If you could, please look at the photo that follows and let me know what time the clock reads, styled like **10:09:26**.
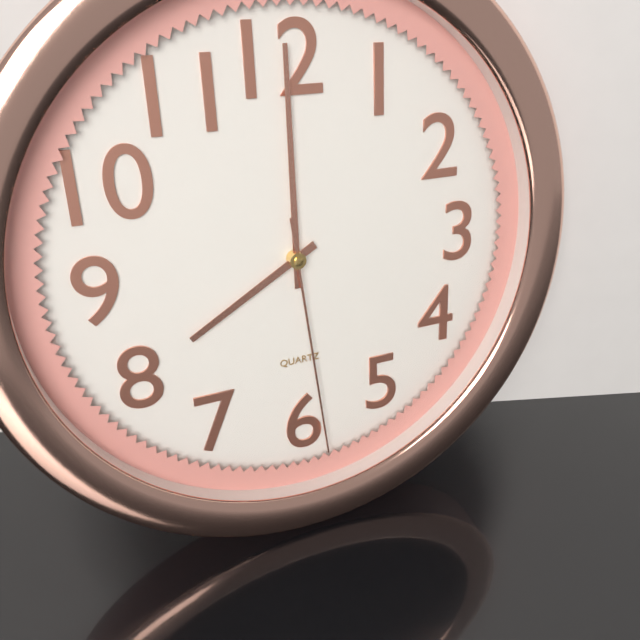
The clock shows **8:00:29**
